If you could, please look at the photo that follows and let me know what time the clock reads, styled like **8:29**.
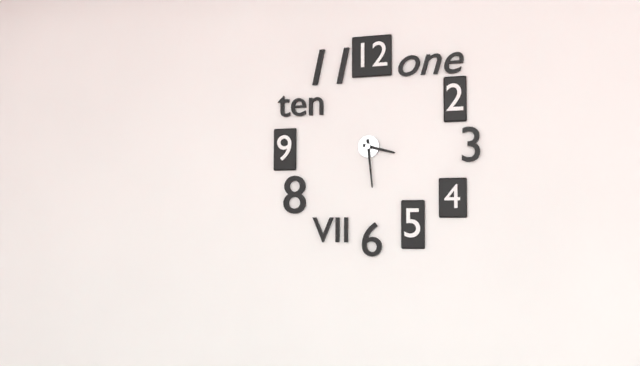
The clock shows **3:29**
